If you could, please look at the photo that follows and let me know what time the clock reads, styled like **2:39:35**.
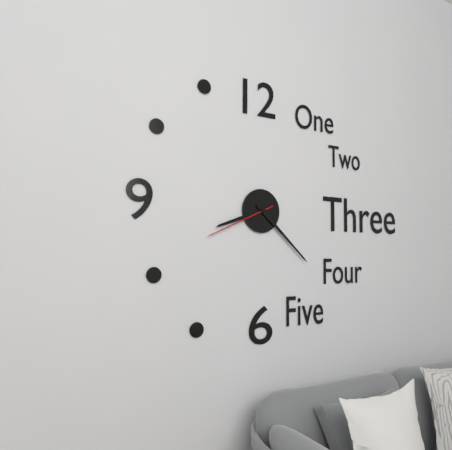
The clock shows **8:22:41**
